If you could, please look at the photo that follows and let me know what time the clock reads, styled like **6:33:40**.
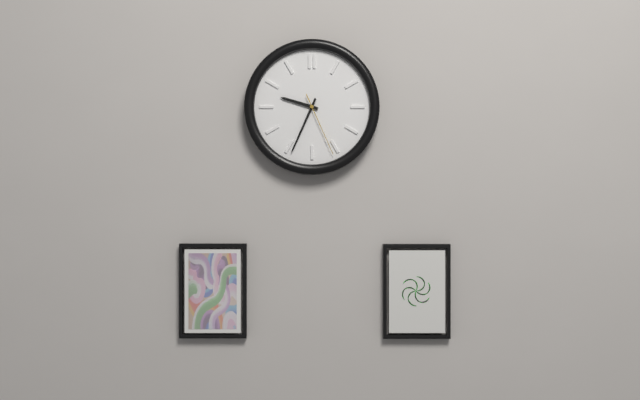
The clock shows **9:34:26**
